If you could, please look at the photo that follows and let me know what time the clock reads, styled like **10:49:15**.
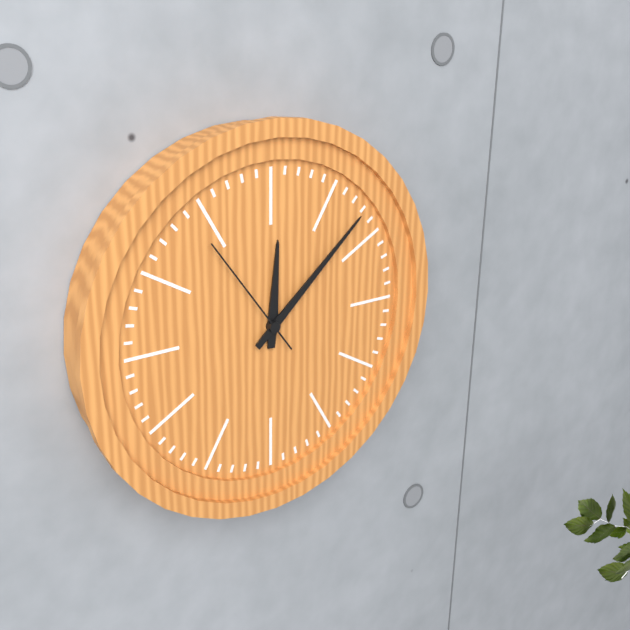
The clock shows **12:08:54**
